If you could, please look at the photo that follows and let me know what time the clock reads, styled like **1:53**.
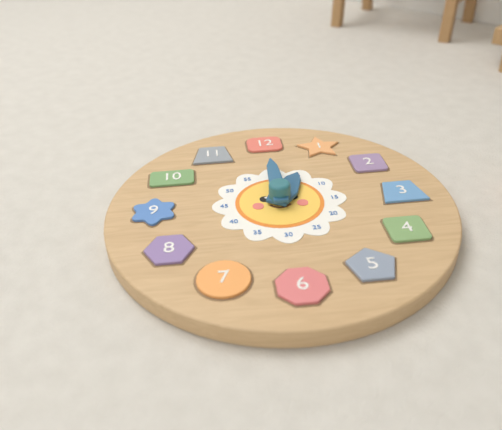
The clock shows **1:00**
